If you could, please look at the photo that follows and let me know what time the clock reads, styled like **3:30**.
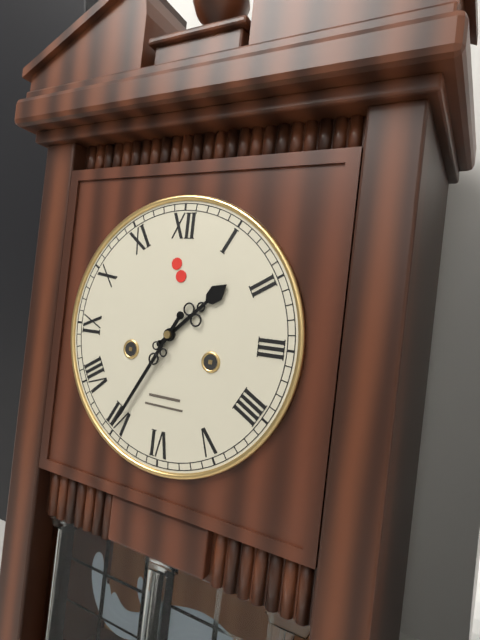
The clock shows **1:35**
